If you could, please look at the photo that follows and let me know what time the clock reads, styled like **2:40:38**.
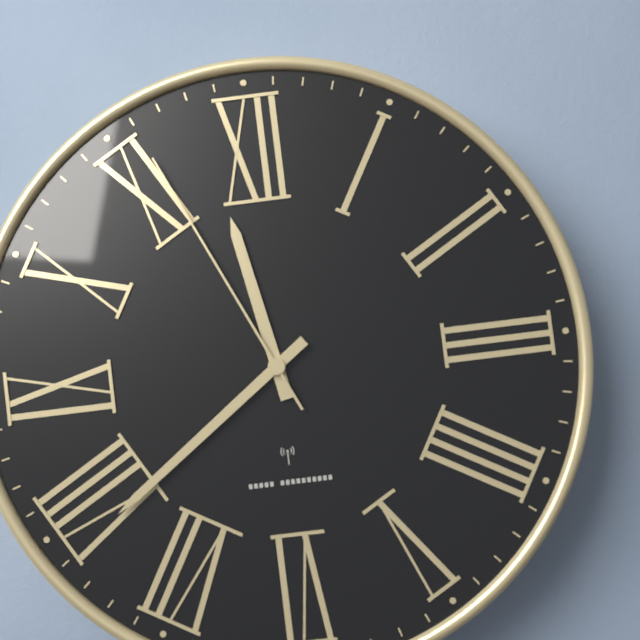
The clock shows **11:39:56**
